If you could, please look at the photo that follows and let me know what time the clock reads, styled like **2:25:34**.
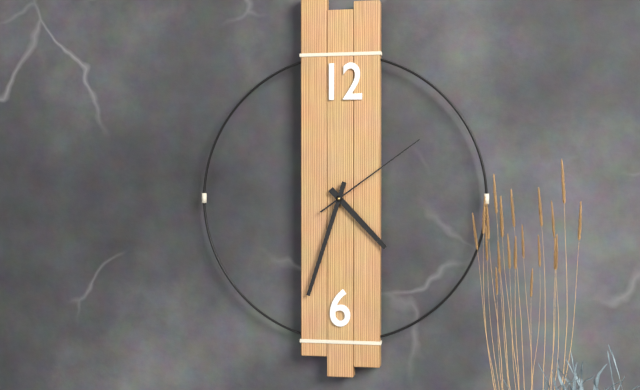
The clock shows **4:33:09**
